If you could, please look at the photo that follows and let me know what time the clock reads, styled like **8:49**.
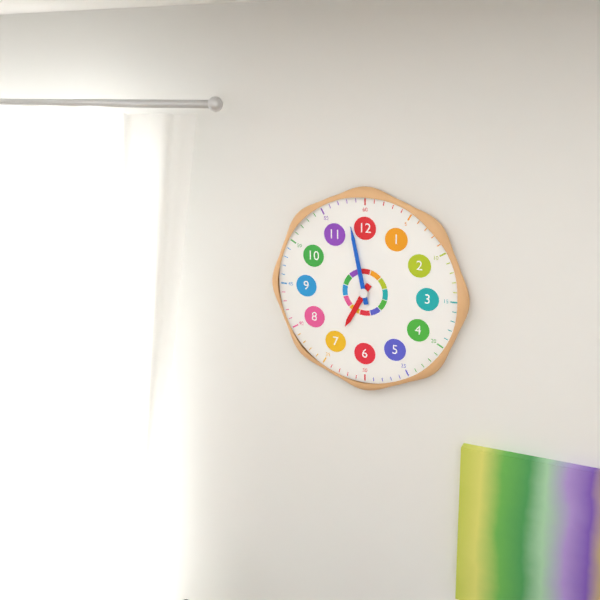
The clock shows **6:58**
